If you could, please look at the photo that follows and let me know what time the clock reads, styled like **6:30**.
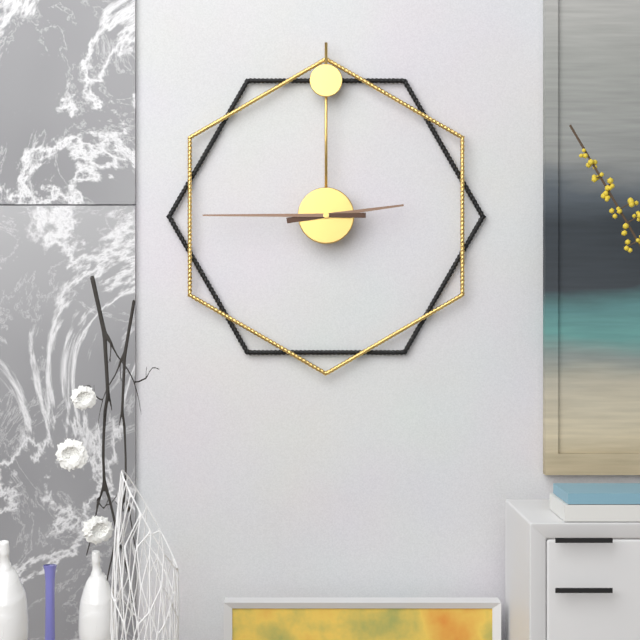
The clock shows **2:45**
